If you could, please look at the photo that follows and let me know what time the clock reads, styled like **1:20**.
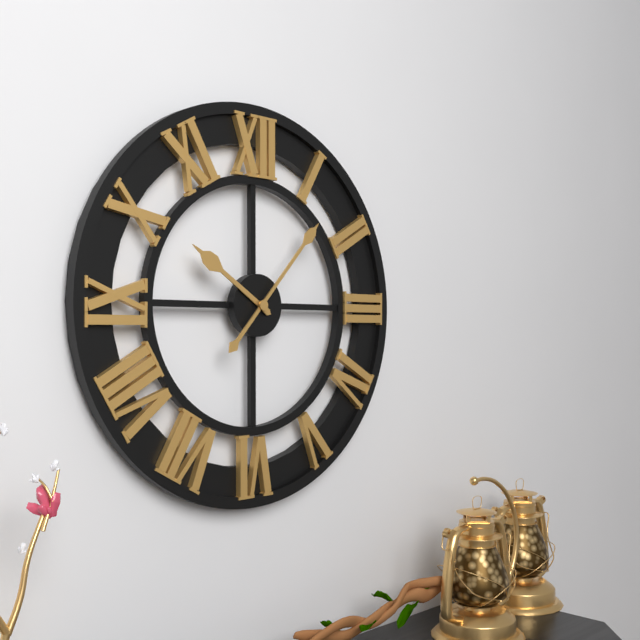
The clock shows **10:07**
